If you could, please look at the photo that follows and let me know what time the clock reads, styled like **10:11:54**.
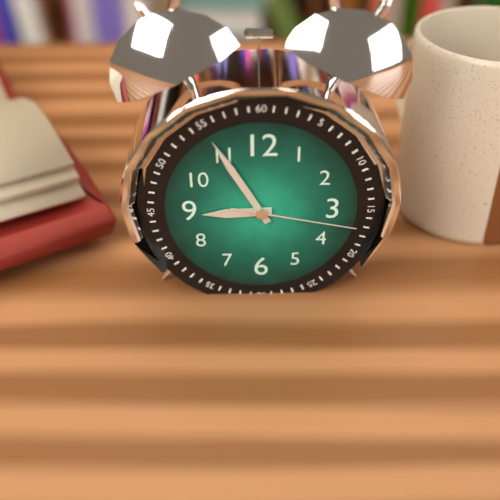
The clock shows **8:55:17**
